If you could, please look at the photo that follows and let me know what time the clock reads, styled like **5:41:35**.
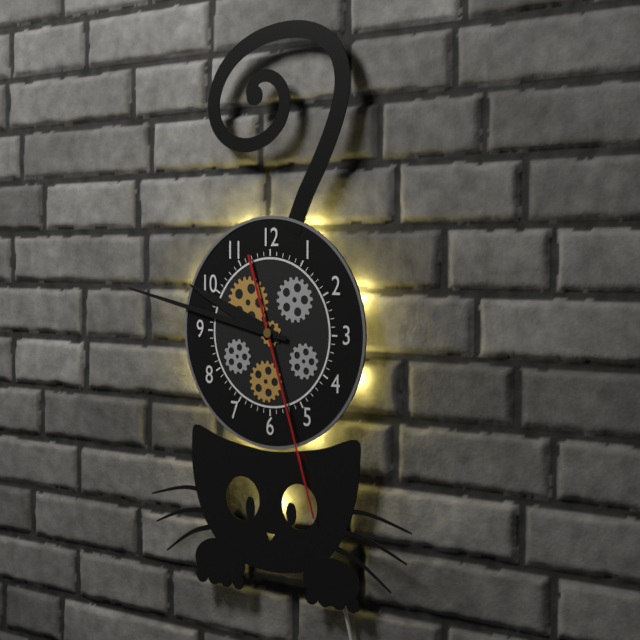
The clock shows **9:47:27**
